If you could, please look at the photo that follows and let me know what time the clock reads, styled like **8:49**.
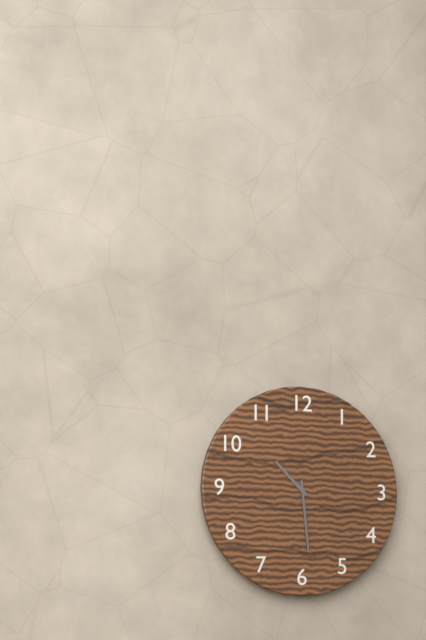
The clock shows **10:29**
